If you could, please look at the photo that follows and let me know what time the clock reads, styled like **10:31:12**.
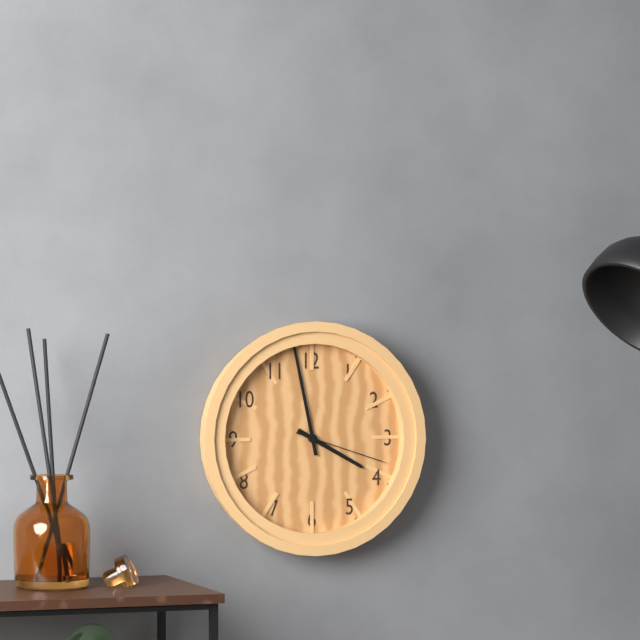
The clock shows **3:58:18**
